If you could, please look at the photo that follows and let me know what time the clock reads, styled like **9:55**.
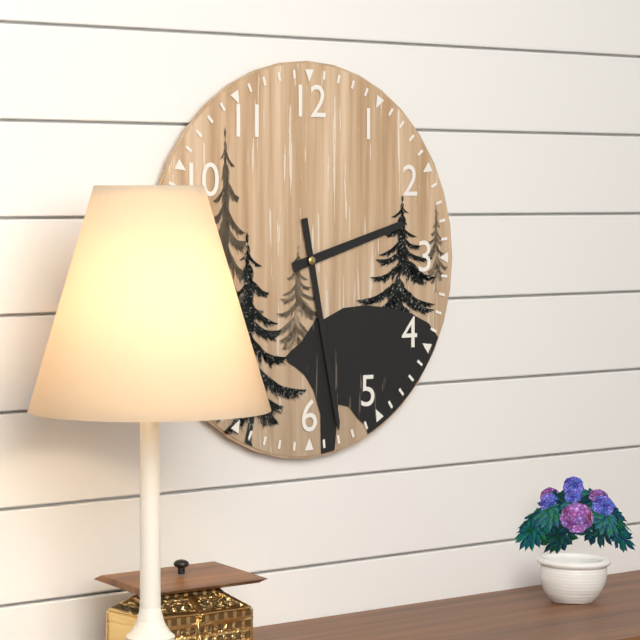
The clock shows **2:28**
